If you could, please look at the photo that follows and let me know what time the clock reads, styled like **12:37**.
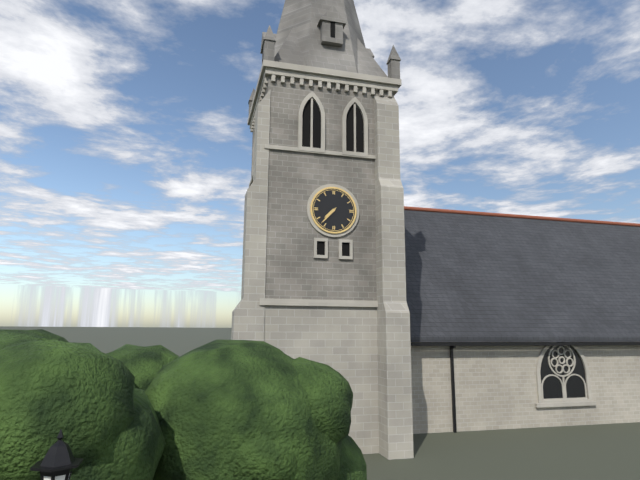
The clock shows **7:37**
